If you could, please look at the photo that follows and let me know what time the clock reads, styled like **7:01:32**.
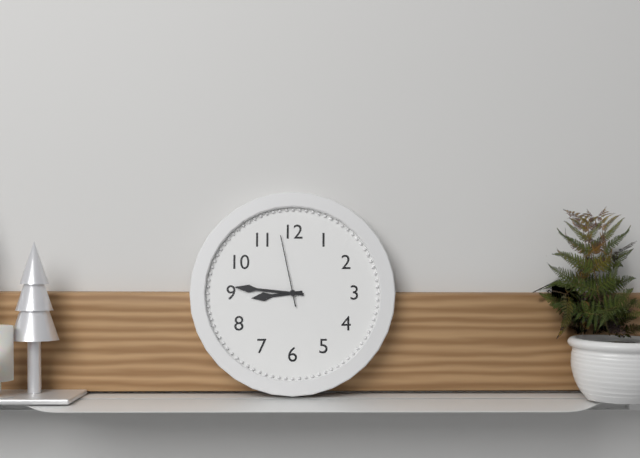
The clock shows **8:46:58**
